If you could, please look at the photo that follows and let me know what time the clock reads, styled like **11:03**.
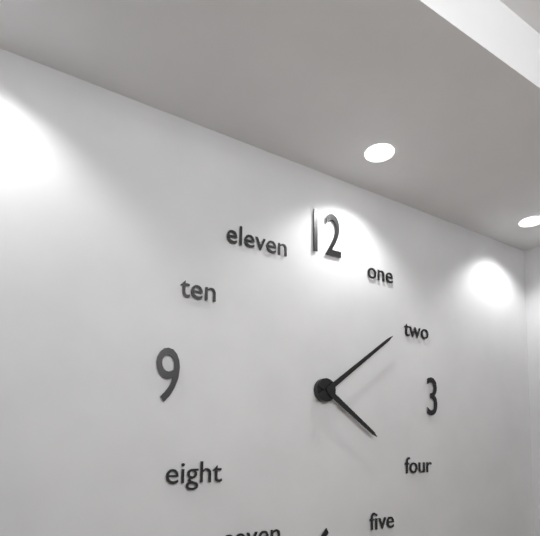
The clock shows **4:09**
